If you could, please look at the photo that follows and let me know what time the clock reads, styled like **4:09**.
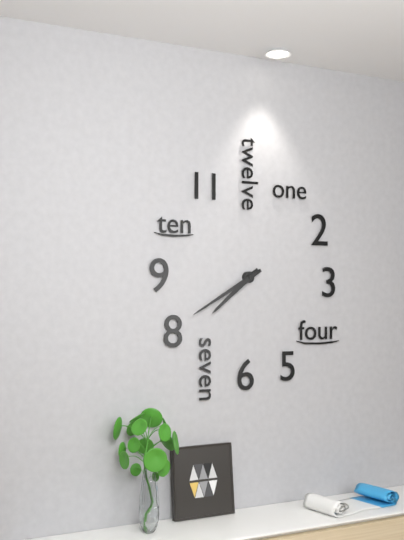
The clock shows **7:40**
